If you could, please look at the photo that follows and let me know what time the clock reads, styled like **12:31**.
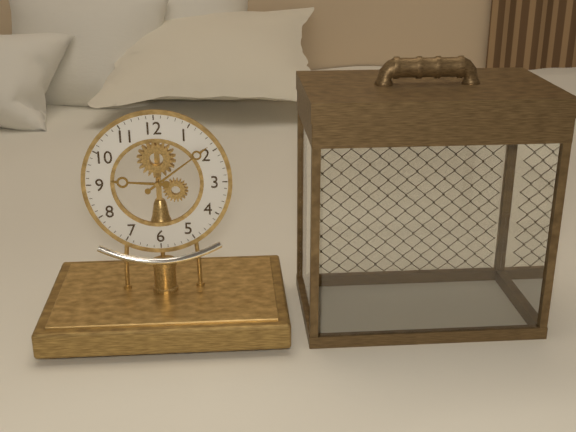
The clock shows **9:09**
